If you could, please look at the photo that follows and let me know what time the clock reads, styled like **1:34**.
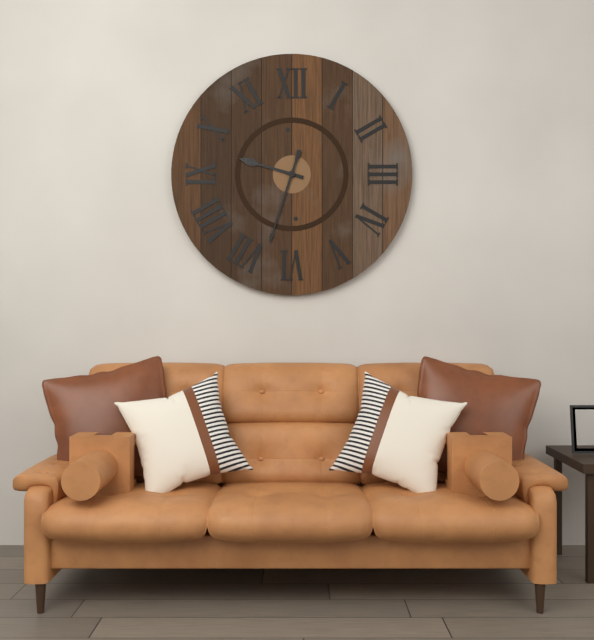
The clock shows **9:33**
